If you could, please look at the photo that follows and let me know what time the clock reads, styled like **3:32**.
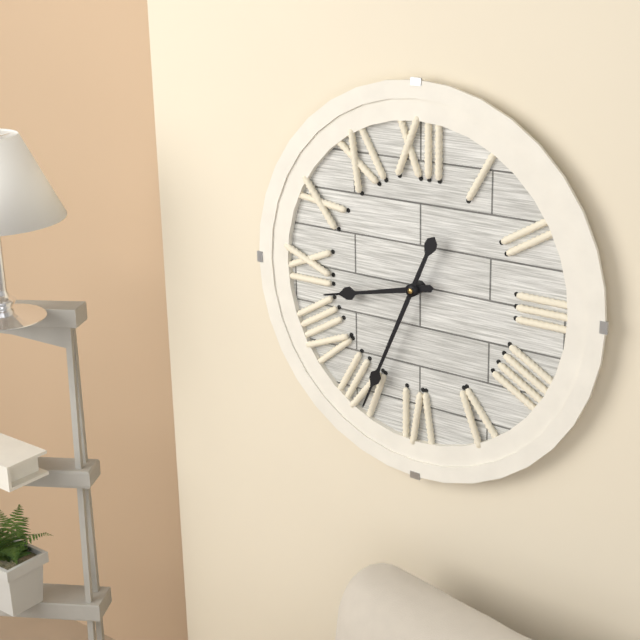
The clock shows **8:34**
